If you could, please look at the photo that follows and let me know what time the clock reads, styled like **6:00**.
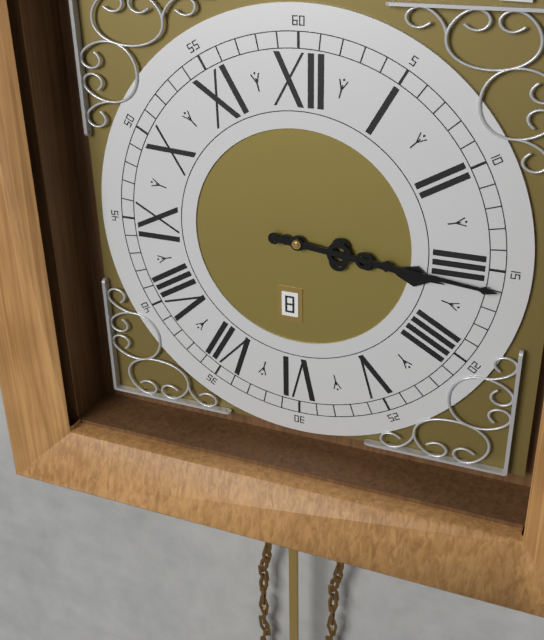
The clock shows **3:16**
